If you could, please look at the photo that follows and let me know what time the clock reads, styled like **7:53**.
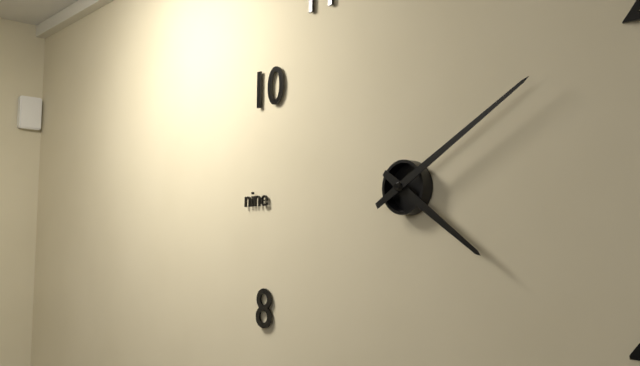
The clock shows **4:10**
